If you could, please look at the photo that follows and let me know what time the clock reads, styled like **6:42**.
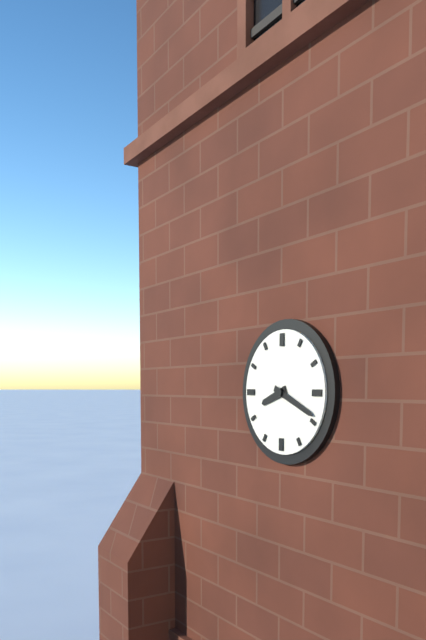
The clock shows **8:19**
